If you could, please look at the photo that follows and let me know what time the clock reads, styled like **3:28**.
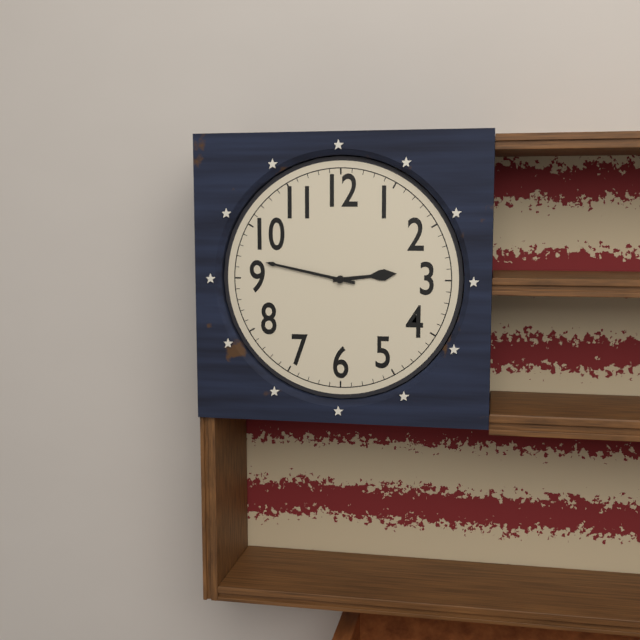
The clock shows **2:47**
